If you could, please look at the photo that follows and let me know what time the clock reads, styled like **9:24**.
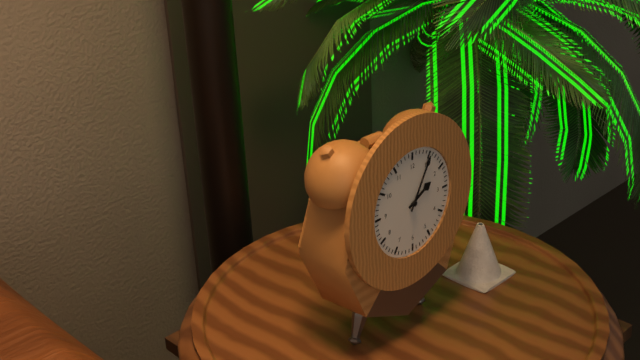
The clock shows **2:05**
